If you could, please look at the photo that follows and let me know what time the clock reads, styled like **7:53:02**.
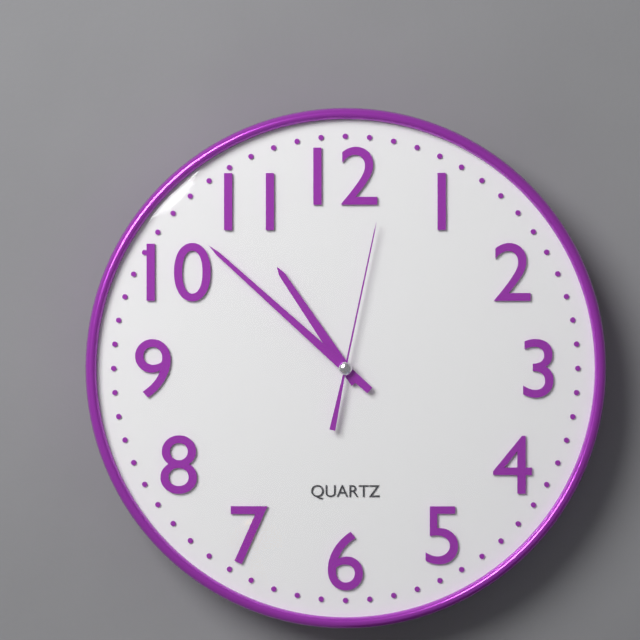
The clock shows **10:52:02**
